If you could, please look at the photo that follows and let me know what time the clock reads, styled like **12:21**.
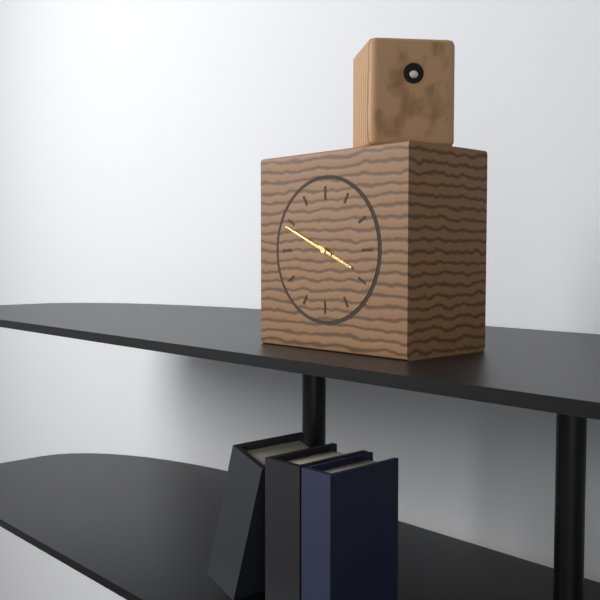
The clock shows **3:49**
